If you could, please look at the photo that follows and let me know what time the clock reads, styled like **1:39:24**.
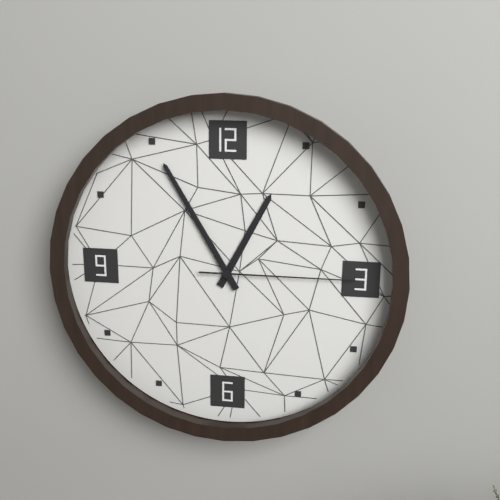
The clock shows **12:55:15**
